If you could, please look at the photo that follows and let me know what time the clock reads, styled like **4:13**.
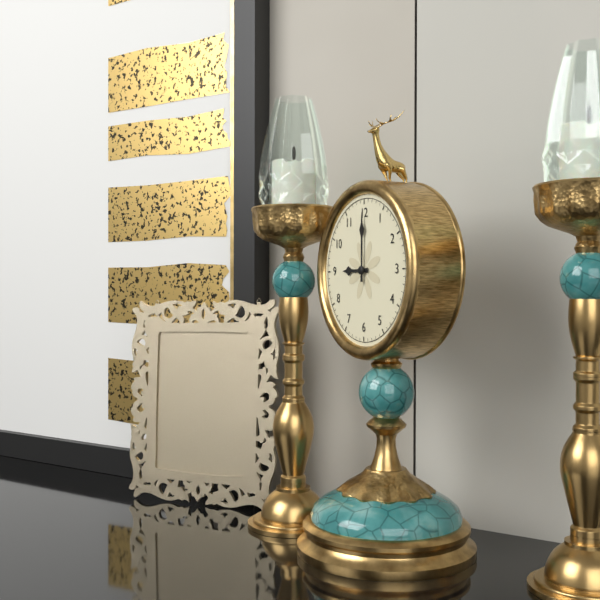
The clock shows **9:00**
